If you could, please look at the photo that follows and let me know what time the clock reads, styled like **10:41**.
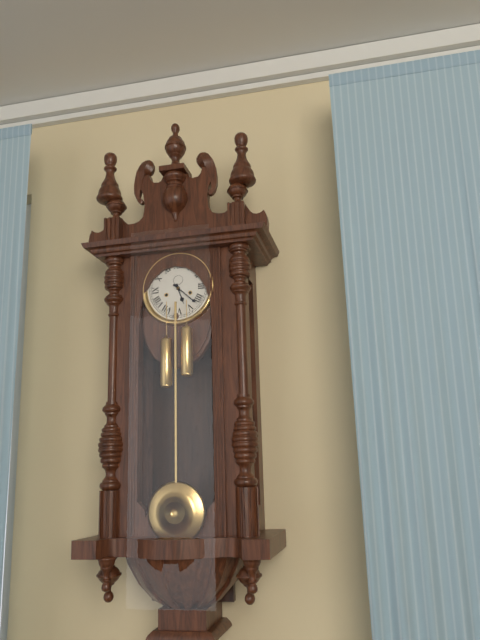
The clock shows **5:22**
